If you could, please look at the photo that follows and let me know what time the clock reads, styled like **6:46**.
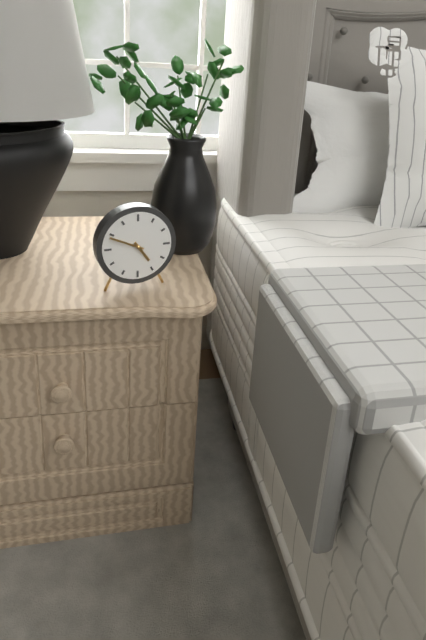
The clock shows **4:49**
